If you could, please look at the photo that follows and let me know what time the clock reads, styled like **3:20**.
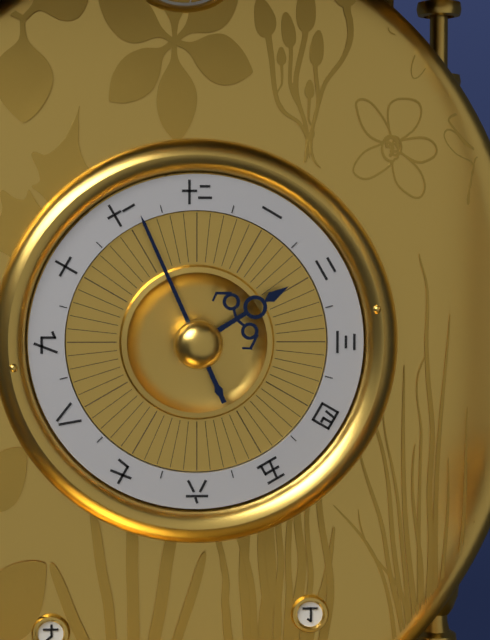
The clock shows **1:56**
